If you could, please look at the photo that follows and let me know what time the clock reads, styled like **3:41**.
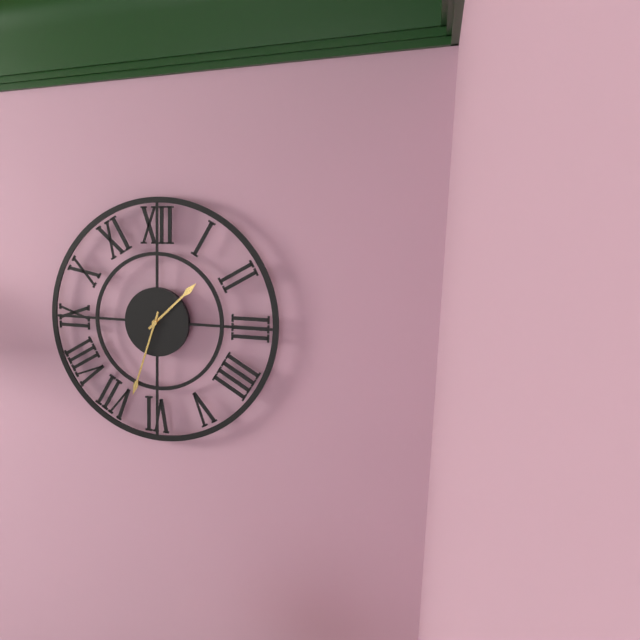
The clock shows **1:33**
